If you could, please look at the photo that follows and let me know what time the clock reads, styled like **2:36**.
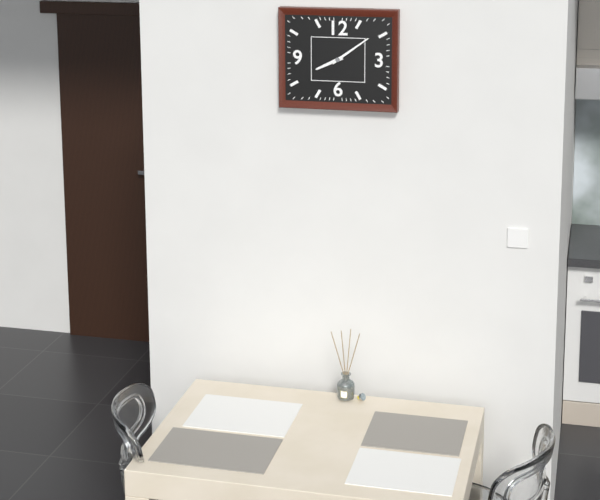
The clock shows **8:09**
